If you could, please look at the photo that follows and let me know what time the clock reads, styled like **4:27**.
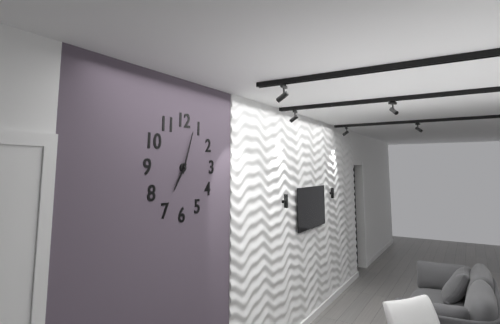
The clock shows **7:03**
